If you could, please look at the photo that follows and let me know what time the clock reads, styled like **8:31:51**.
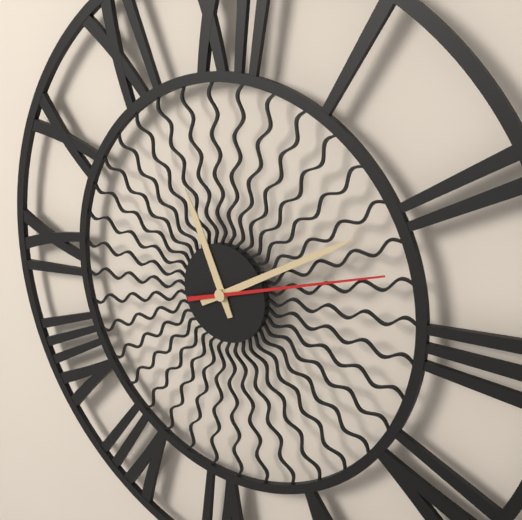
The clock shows **11:10:12**
